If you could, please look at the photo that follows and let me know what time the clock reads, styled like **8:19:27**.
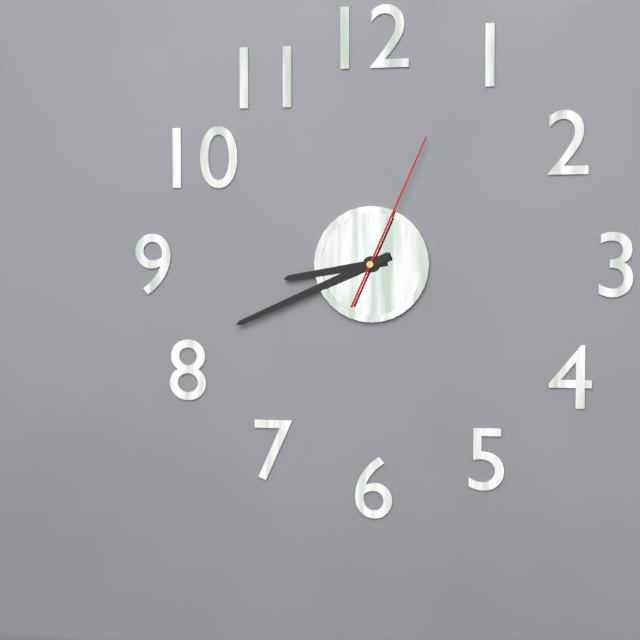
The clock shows **8:41:04**
